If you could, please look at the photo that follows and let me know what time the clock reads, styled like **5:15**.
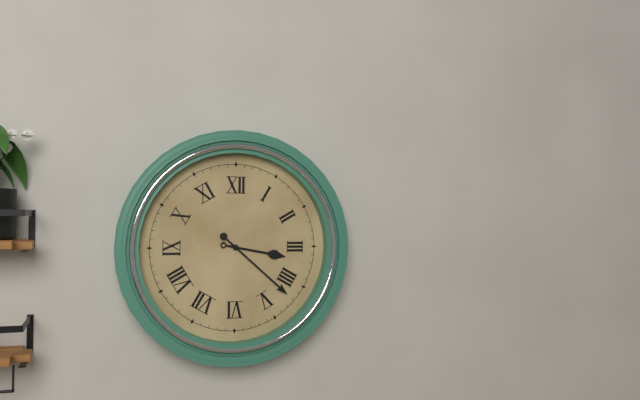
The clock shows **3:22**
